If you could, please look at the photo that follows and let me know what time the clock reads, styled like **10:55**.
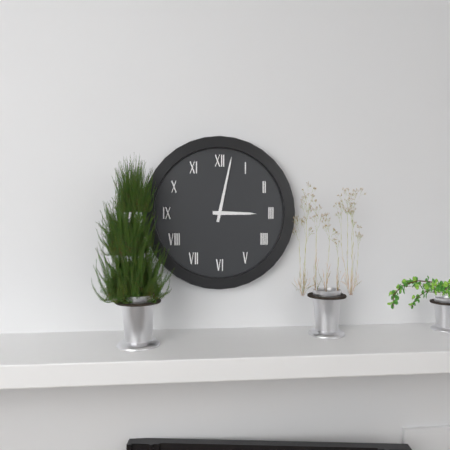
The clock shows **3:02**
